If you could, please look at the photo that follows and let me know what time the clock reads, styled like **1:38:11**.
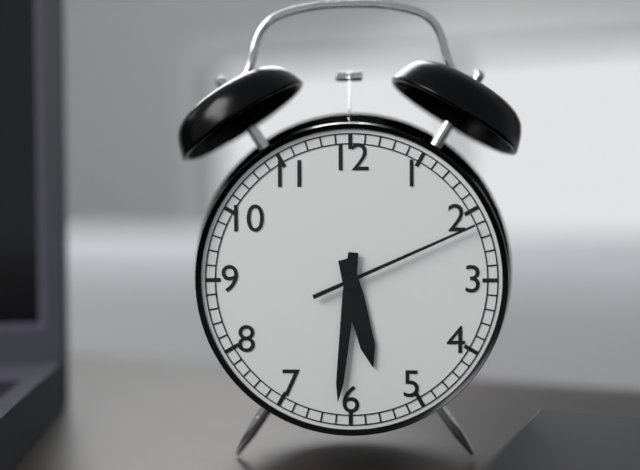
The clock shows **5:31:11**
